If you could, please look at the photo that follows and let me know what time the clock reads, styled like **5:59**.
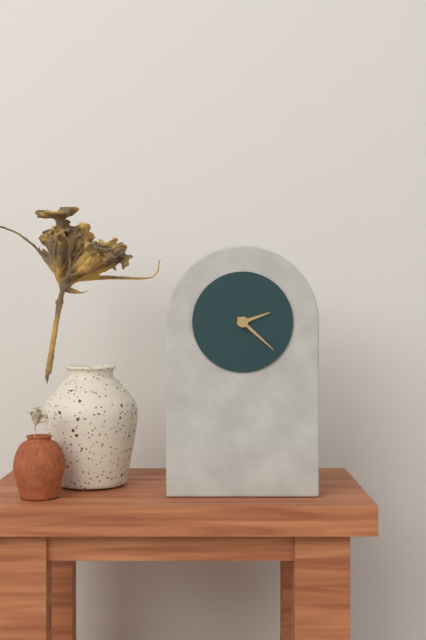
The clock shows **2:22**
